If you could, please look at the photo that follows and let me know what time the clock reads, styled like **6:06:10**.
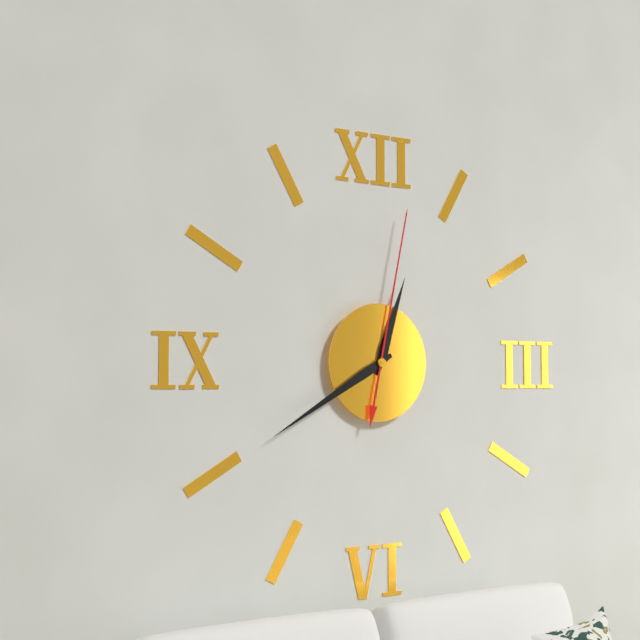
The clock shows **12:40:02**
